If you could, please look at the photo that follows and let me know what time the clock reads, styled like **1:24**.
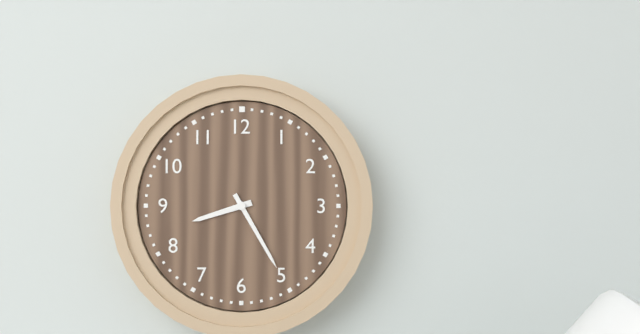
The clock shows **8:25**
